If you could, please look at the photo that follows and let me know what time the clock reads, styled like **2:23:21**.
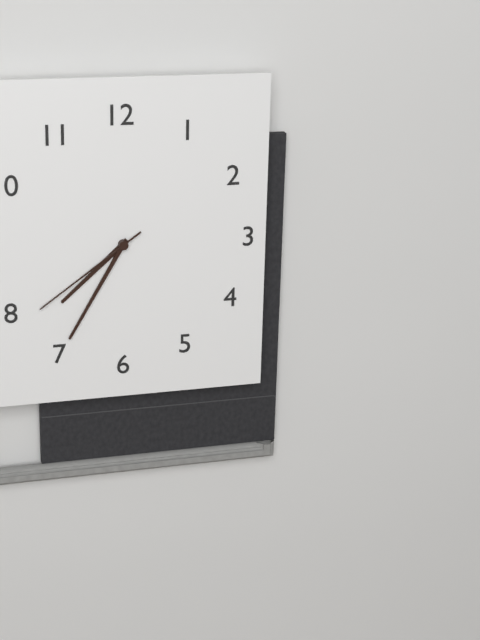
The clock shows **7:35:39**
